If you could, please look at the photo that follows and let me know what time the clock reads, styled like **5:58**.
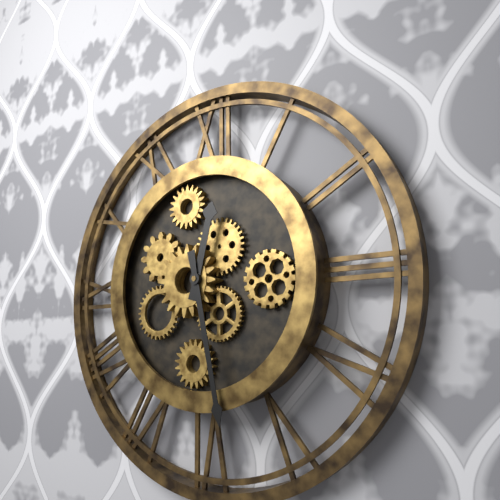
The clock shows **12:28**
